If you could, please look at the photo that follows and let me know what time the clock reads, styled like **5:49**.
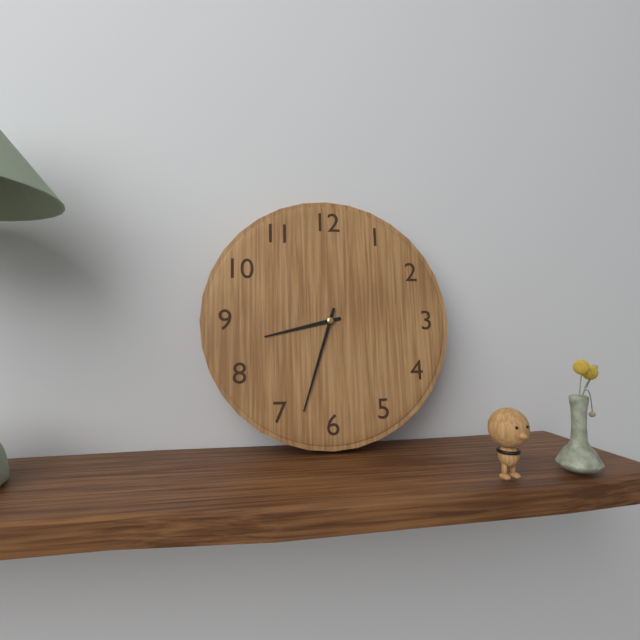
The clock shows **8:33**
